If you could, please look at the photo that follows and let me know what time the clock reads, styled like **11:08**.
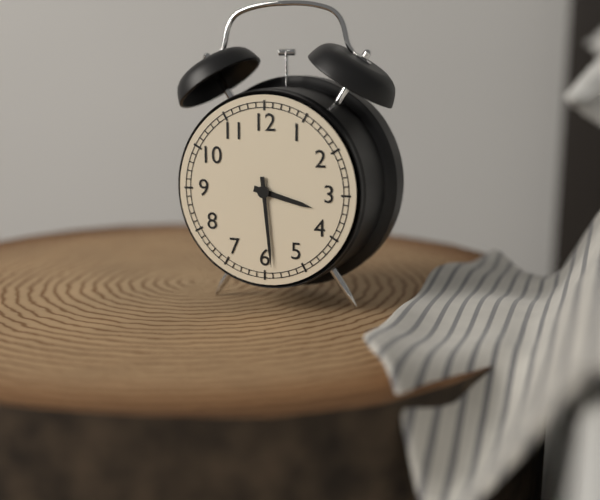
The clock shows **3:29**
